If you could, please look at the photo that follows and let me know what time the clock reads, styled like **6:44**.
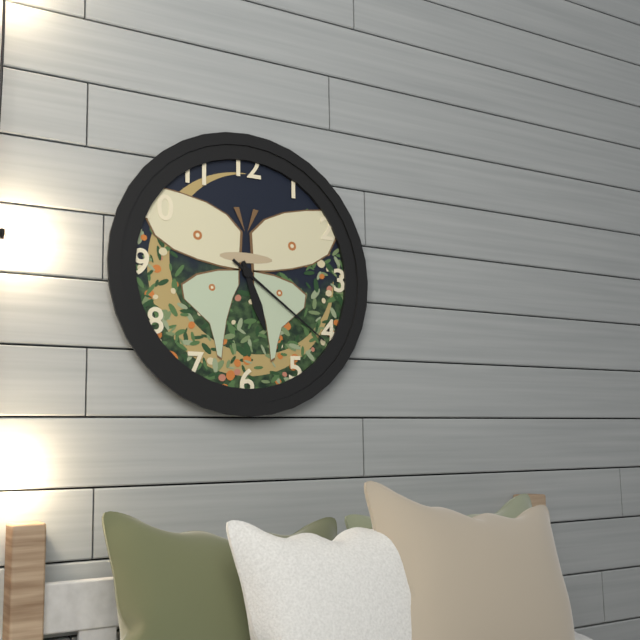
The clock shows **5:21**
